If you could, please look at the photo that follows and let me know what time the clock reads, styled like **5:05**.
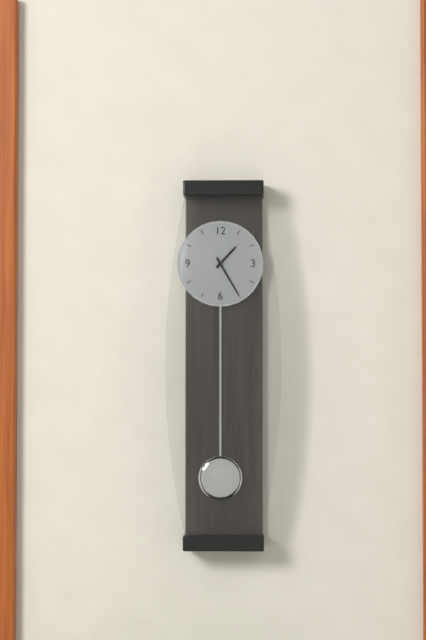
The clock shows **1:25**
